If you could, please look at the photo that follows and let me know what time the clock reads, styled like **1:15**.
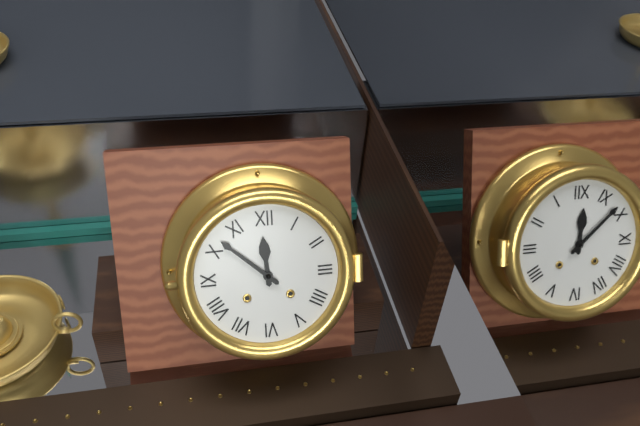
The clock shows **11:52**
